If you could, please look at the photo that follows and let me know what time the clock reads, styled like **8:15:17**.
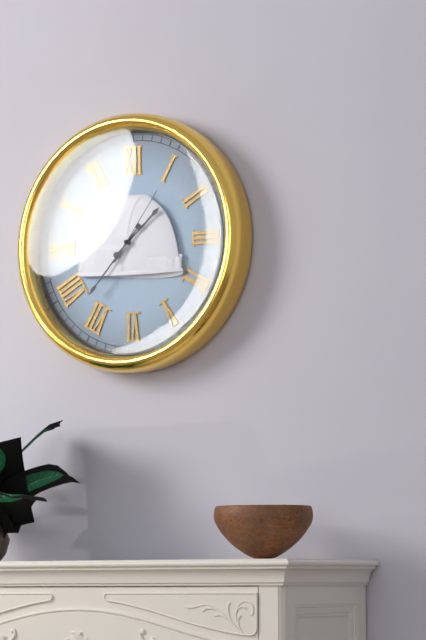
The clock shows **1:37:06**
